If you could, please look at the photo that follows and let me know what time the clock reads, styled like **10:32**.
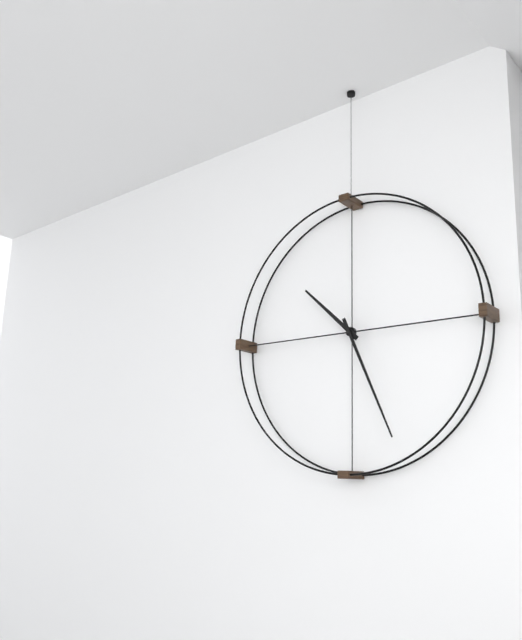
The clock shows **10:26**
